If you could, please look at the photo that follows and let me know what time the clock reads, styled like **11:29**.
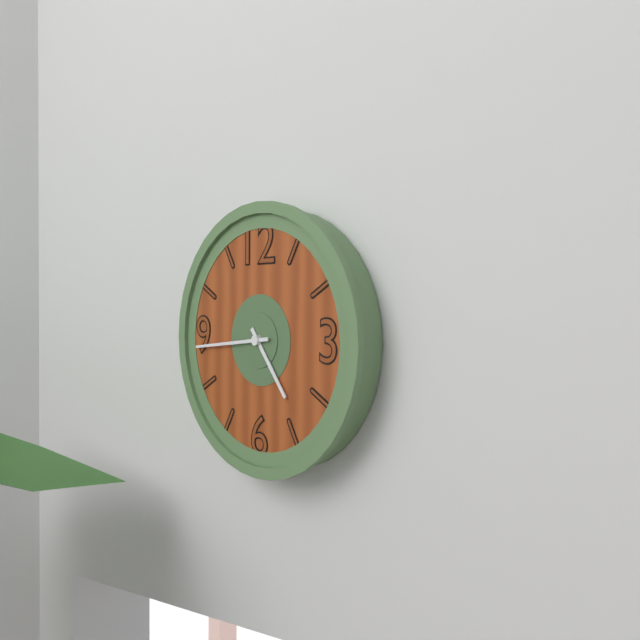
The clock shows **4:44**
